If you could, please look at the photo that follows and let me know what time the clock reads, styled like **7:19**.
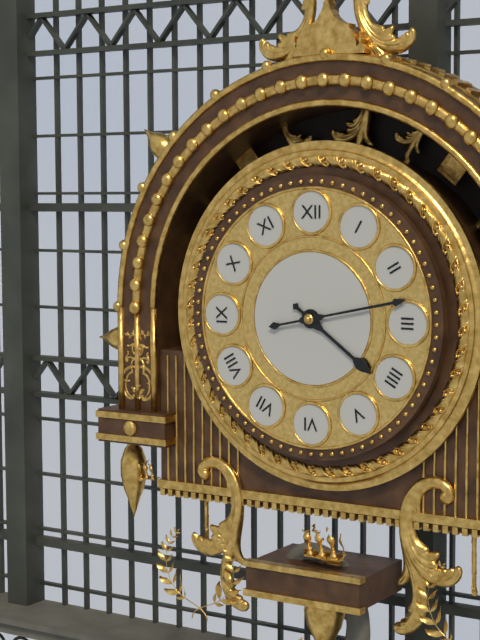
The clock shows **4:13**
